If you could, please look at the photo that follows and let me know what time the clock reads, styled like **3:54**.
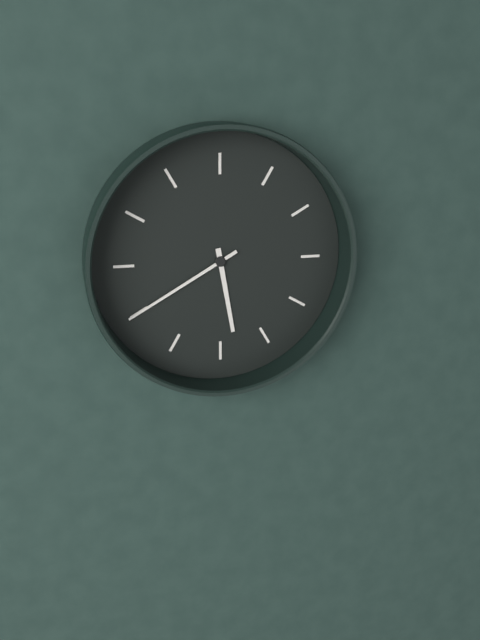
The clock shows **5:40**
